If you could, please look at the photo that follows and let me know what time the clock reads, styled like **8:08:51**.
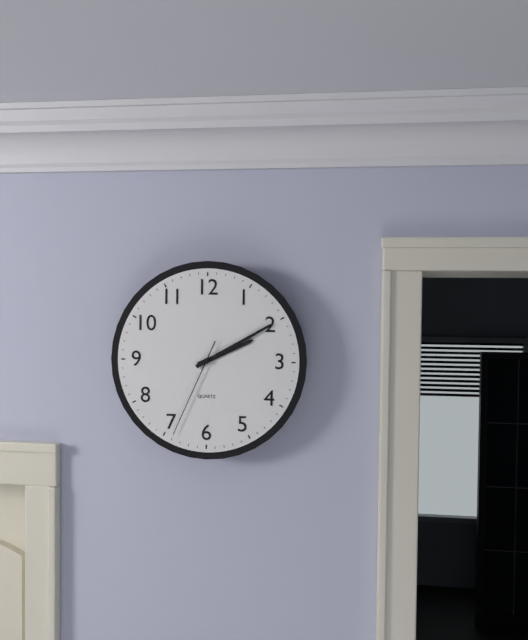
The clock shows **2:10:34**
